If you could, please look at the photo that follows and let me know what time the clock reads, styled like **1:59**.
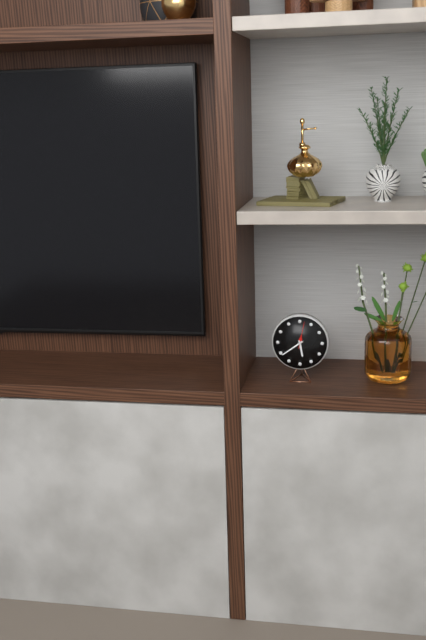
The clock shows **5:39**
